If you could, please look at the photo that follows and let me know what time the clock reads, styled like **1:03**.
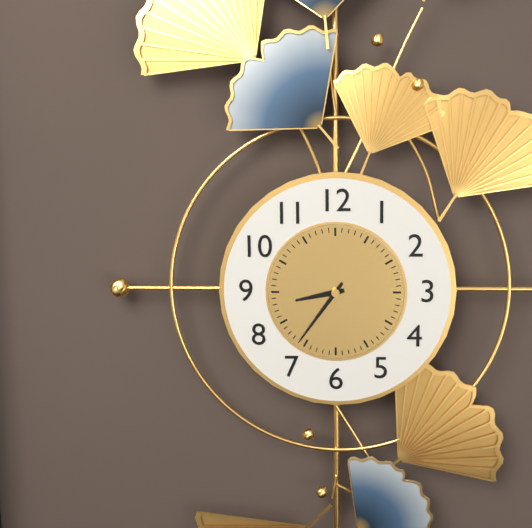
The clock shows **8:36**
